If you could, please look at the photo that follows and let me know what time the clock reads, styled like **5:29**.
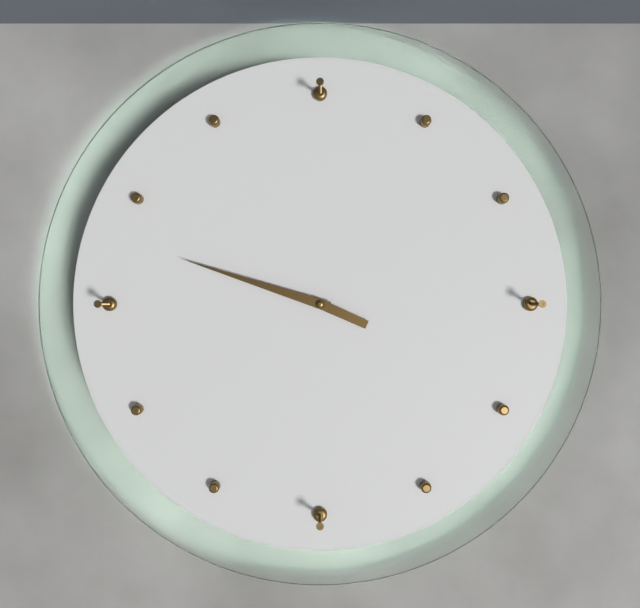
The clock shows **3:48**
